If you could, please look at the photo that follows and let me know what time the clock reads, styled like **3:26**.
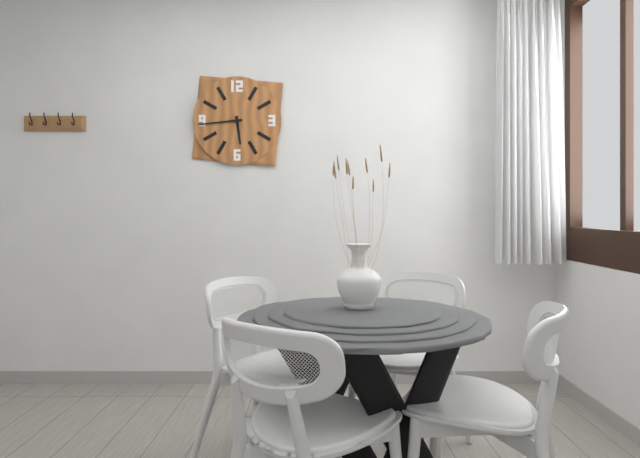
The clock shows **5:44**
